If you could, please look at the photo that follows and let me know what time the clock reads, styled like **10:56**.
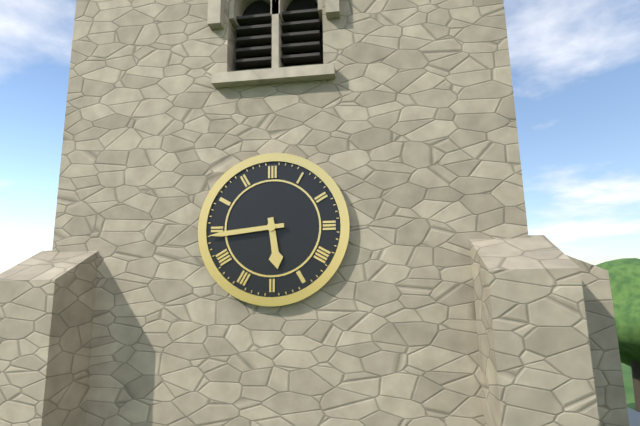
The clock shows **5:44**
